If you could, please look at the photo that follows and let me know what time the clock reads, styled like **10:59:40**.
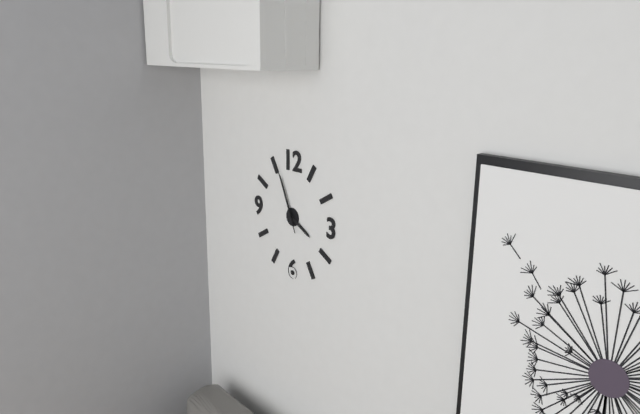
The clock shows **3:56:56**
